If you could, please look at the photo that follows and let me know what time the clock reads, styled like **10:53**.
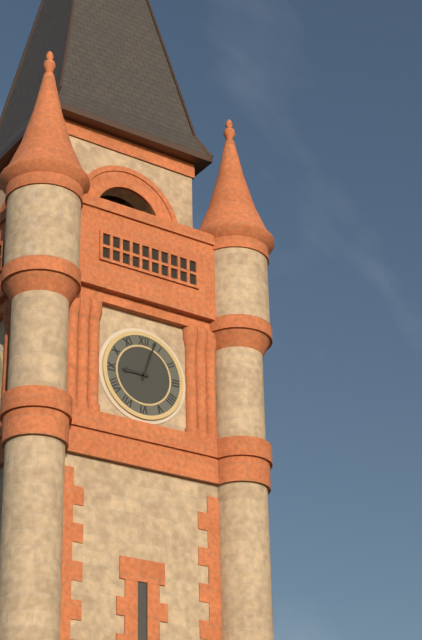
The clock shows **9:03**
